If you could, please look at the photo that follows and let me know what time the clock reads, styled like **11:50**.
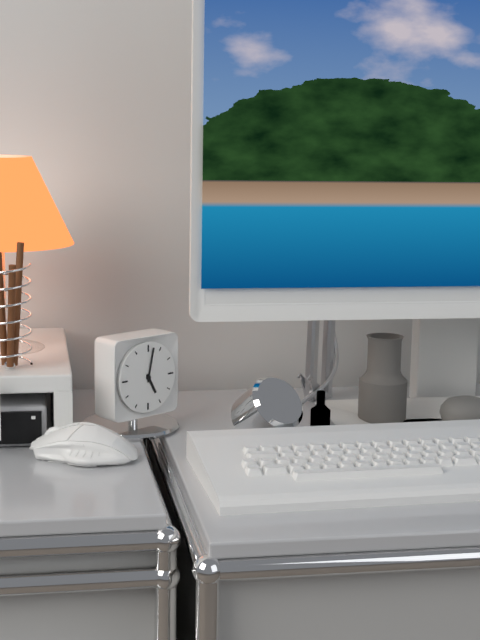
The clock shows **5:02**
